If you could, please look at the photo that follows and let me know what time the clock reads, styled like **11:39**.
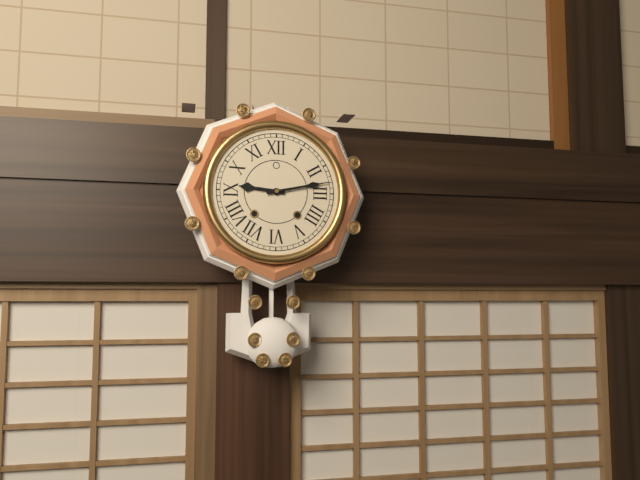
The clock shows **9:13**
